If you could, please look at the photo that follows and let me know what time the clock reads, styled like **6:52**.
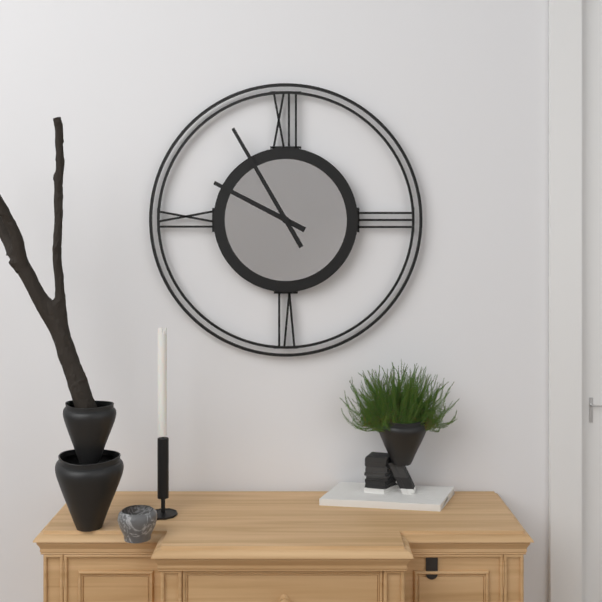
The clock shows **9:55**
